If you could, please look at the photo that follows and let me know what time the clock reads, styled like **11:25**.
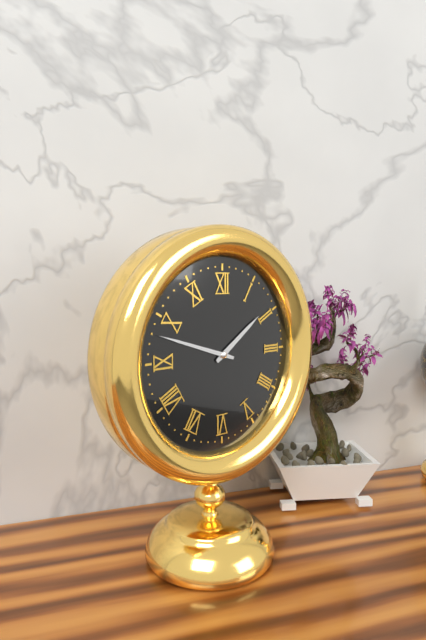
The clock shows **1:48**
